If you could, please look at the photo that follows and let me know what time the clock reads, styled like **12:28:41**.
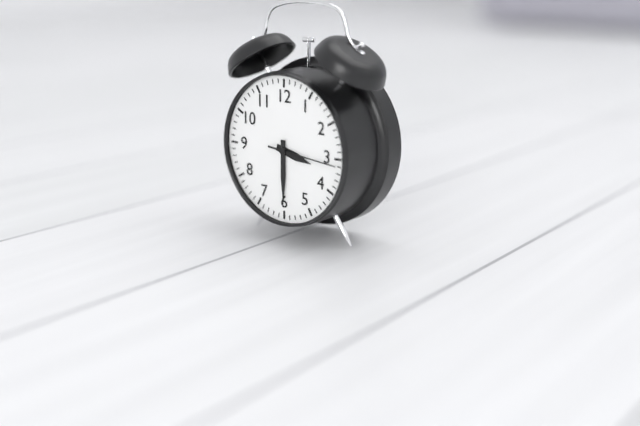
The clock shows **3:30:16**
